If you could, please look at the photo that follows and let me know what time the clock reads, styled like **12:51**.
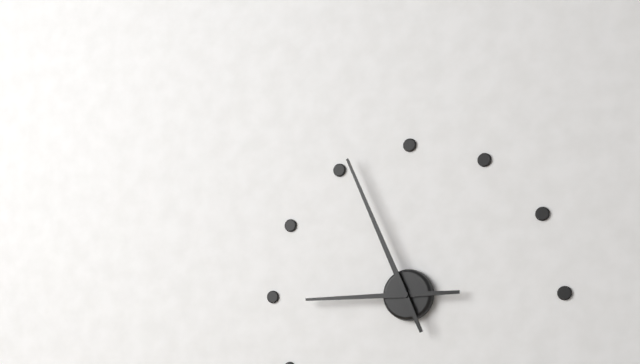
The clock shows **8:56**
